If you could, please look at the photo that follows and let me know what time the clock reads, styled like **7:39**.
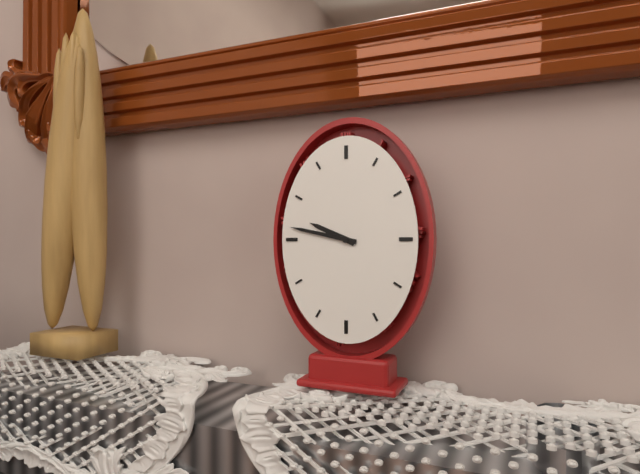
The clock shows **9:47**
